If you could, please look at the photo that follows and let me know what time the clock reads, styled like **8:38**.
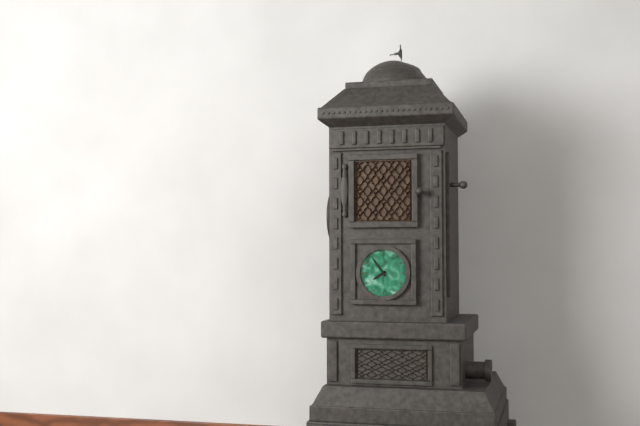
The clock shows **7:54**
